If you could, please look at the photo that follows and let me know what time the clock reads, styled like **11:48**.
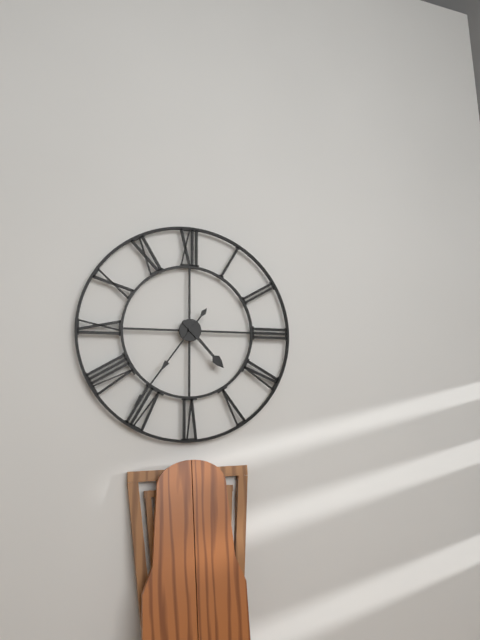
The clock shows **4:36**
